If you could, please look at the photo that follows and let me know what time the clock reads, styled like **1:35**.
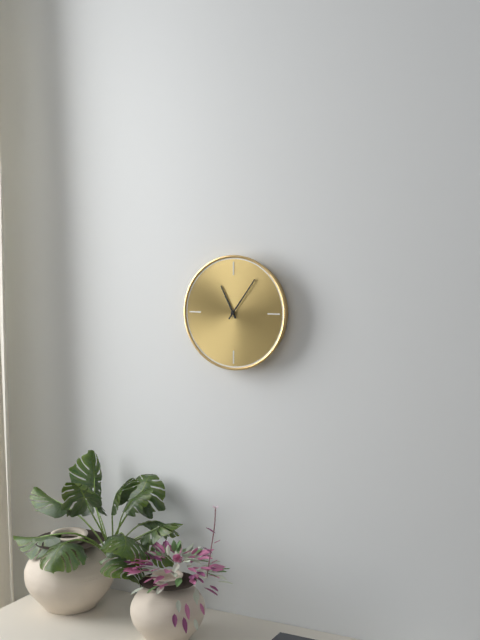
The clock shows **11:06**
